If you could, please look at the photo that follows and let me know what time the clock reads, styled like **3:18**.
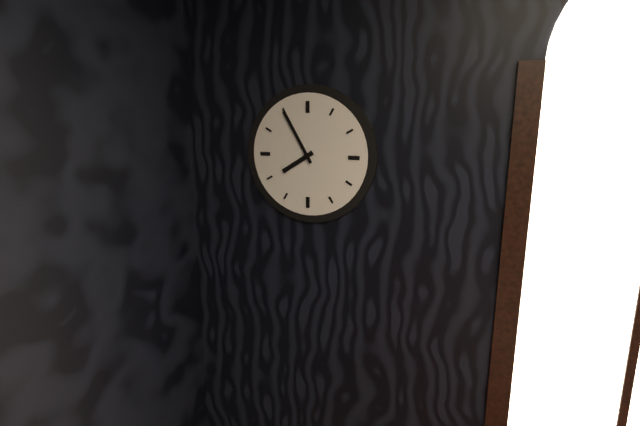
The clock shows **7:55**
